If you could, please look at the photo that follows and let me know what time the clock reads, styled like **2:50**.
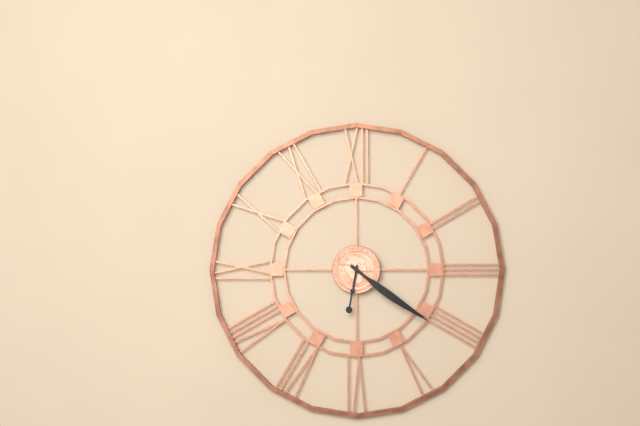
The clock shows **6:21**
